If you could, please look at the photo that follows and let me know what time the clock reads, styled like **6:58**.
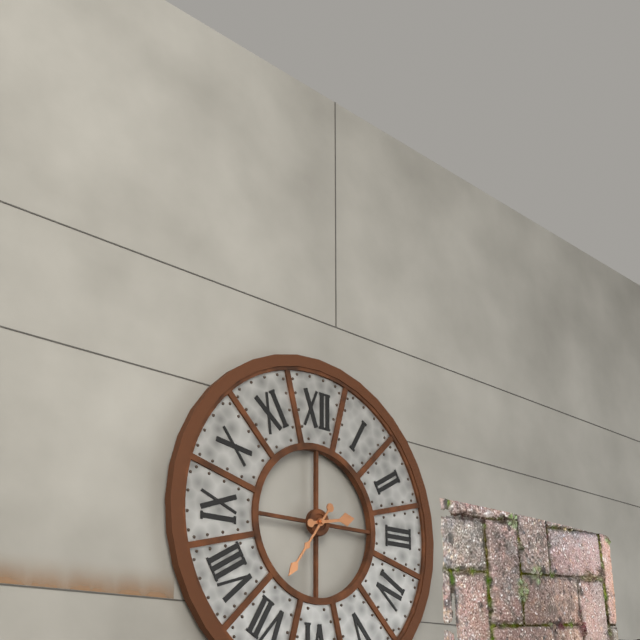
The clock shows **2:36**
